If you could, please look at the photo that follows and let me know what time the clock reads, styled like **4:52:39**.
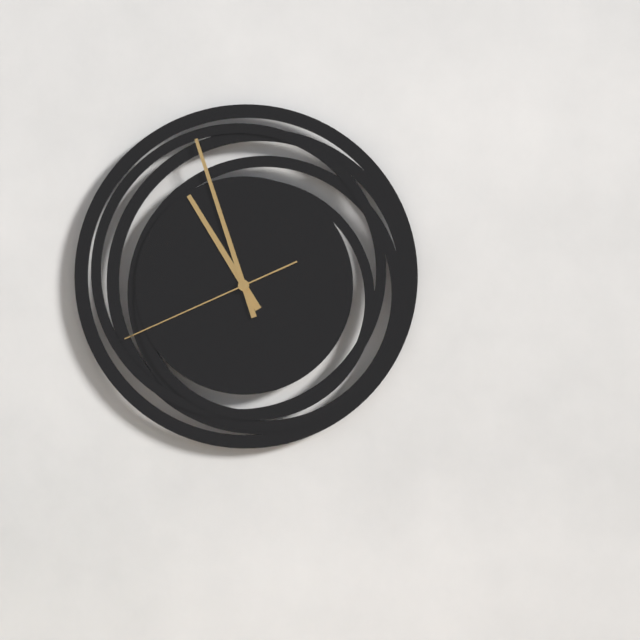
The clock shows **10:57:41**
